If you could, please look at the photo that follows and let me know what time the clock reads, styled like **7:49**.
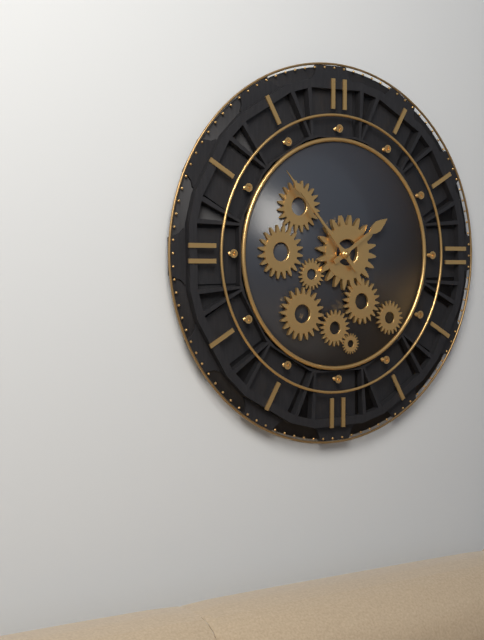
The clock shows **1:53**
